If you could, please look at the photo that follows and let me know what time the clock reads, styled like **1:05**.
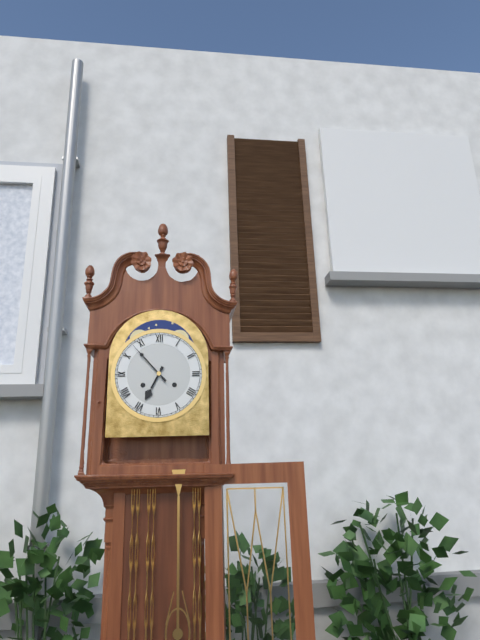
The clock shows **6:53**
